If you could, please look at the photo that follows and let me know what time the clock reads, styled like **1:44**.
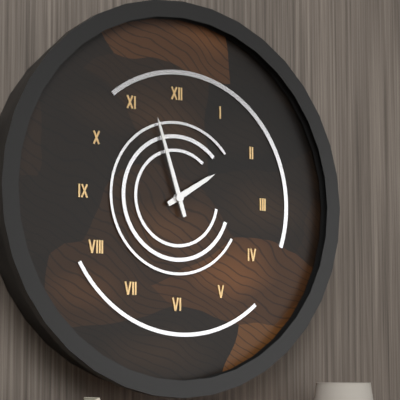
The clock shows **1:57**
